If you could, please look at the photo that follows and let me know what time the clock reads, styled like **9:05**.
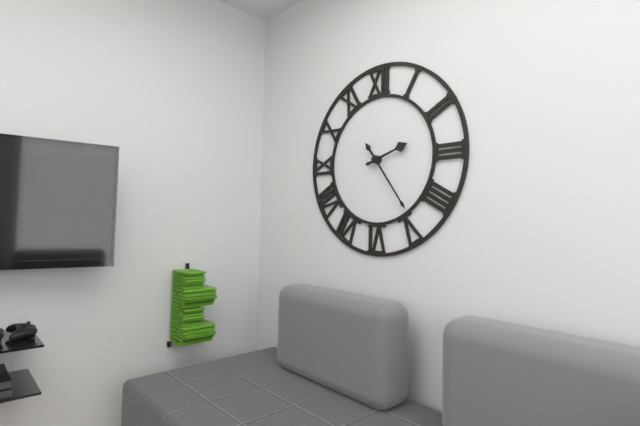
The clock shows **2:24**
